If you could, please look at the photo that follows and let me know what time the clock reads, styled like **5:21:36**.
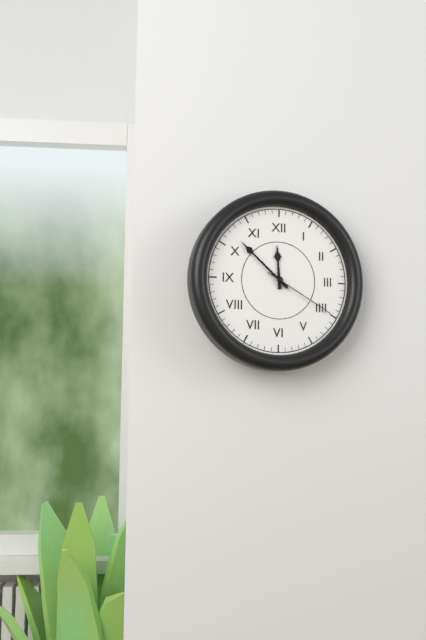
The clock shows **11:52:20**
